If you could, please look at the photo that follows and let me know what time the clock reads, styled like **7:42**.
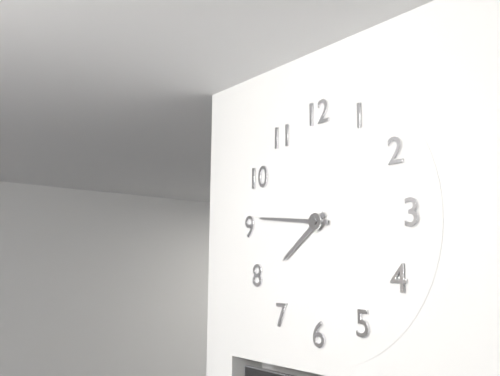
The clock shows **7:46**
